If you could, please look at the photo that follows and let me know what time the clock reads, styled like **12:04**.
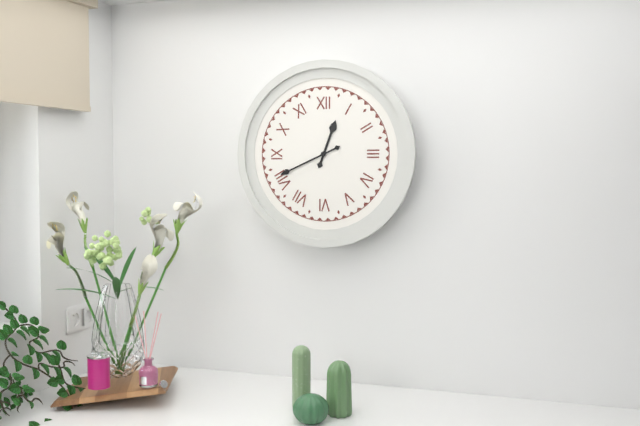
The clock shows **12:41**
